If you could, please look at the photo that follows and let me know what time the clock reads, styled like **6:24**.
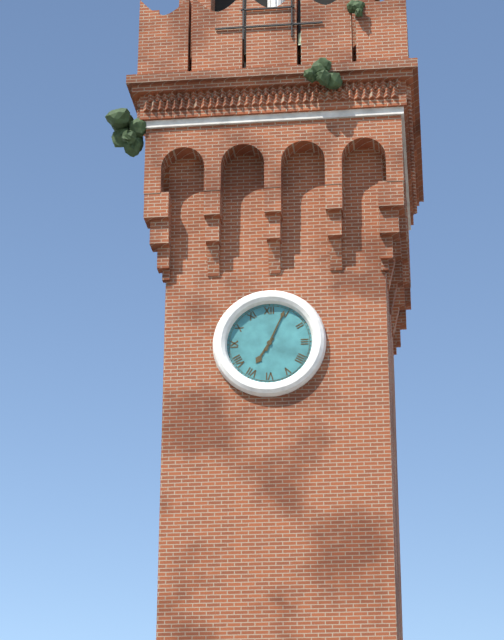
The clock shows **7:04**
